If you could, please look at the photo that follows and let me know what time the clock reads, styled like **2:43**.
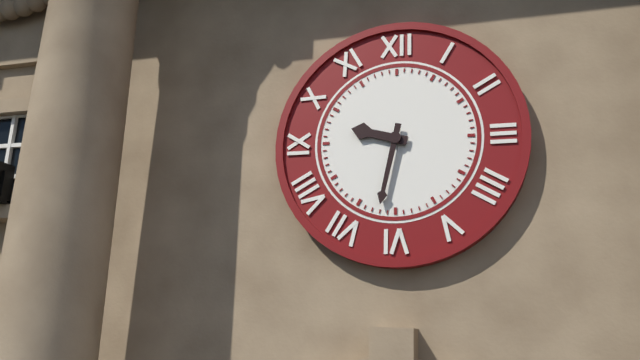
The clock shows **9:32**
